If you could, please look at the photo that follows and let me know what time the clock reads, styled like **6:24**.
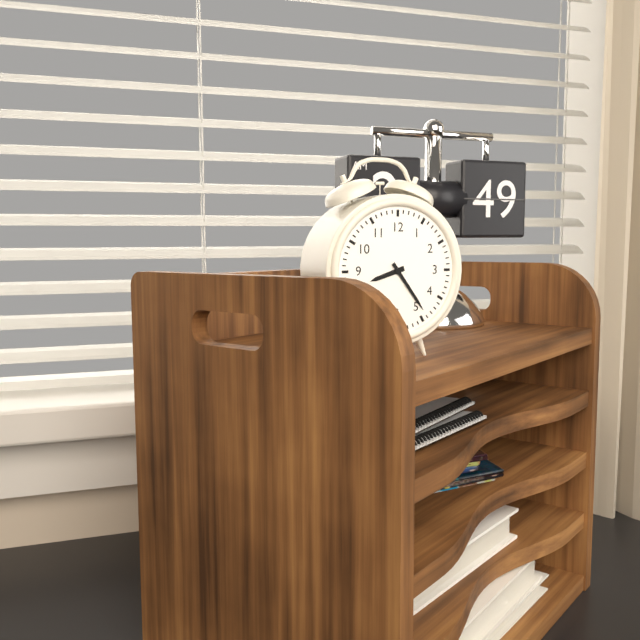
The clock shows **8:24**
